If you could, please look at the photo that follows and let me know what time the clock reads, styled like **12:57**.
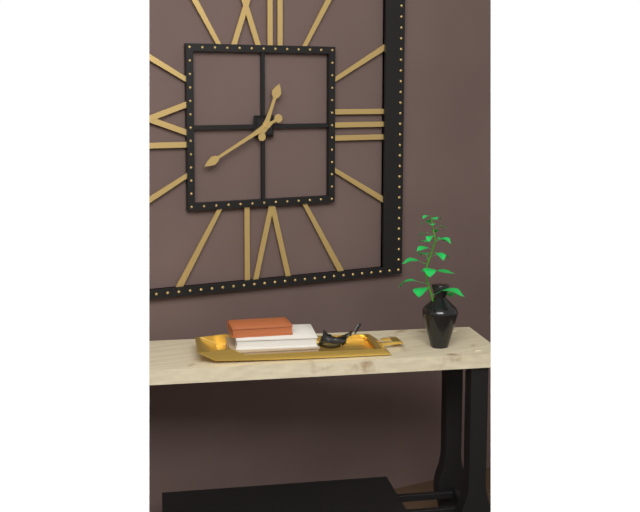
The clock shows **12:40**
